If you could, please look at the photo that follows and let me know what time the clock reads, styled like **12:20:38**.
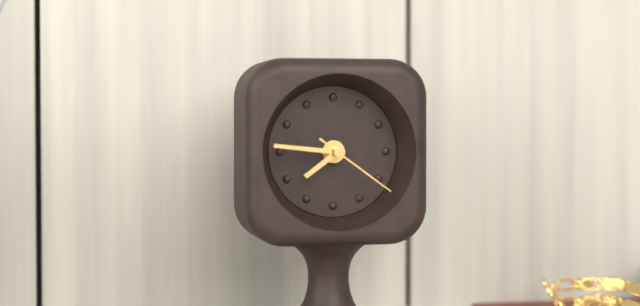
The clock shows **7:46:21**
